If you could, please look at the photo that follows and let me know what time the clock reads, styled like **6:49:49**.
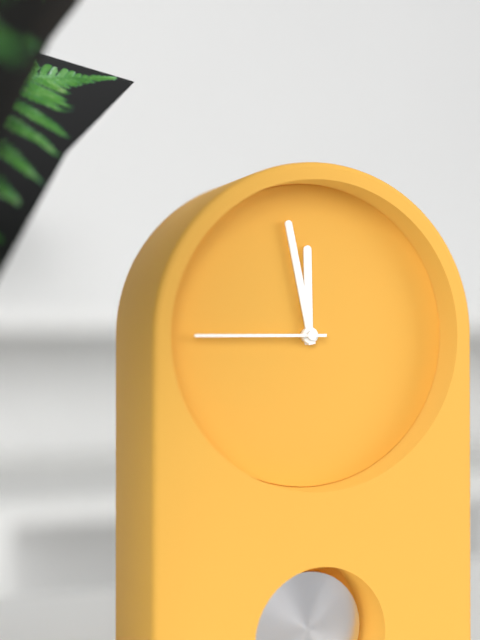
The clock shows **11:58:45**
